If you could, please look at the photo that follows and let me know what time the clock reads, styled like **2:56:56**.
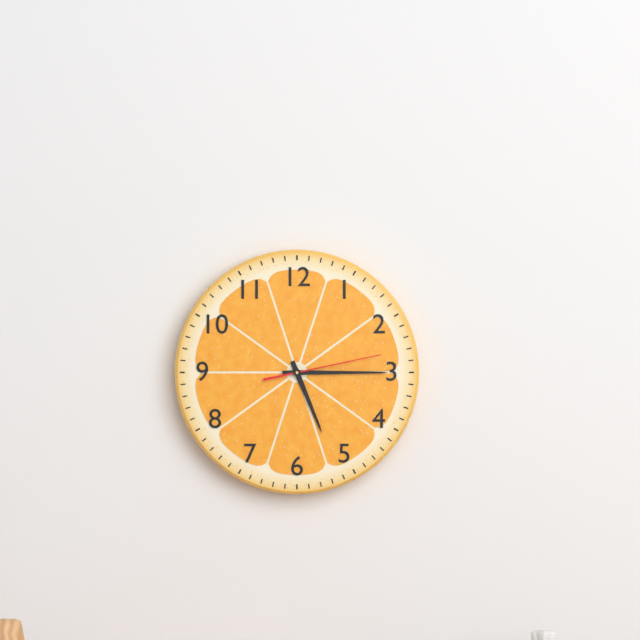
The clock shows **5:15:13**
